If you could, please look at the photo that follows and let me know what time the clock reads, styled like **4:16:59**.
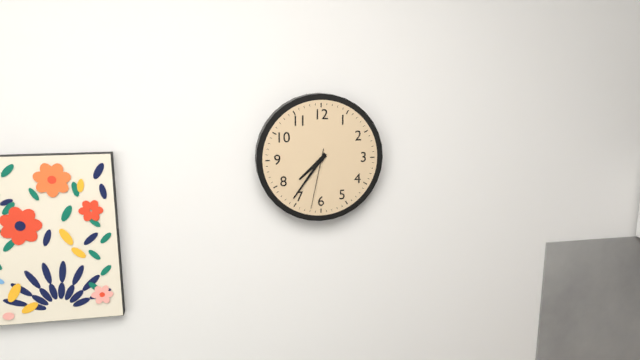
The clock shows **7:36:32**
